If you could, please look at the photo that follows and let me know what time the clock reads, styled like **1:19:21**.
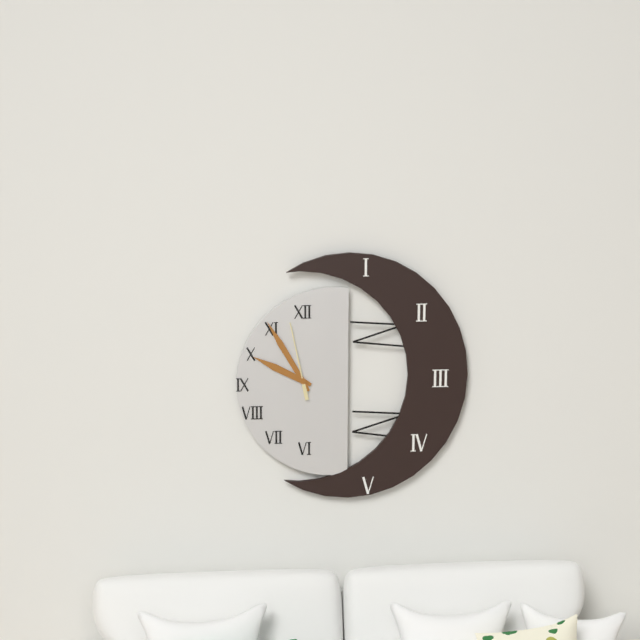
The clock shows **9:55:58**
